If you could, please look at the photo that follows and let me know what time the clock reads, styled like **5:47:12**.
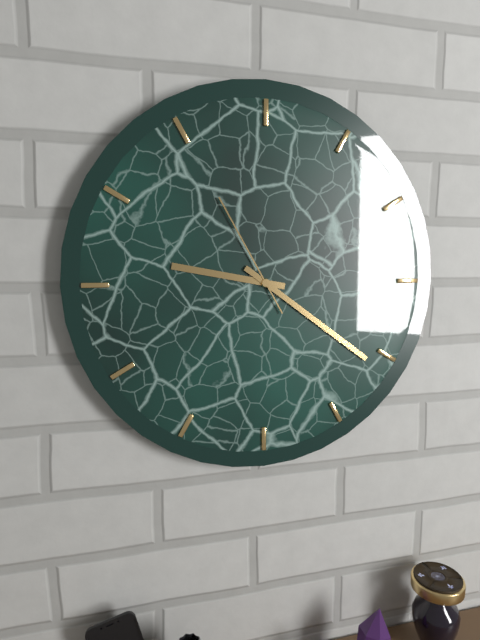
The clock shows **9:21:55**
